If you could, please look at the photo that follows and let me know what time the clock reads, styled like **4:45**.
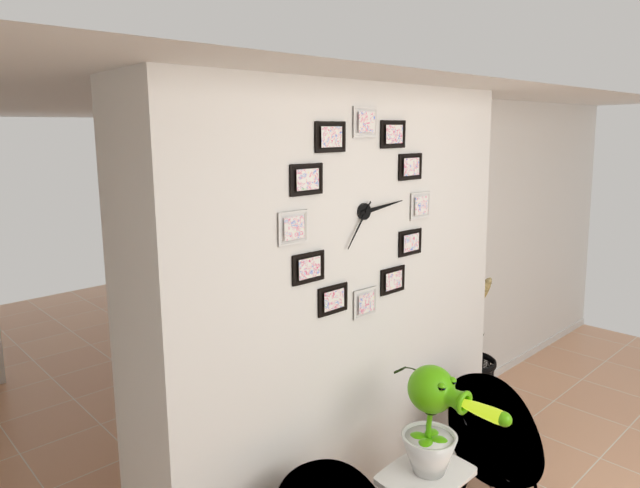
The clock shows **7:14**
